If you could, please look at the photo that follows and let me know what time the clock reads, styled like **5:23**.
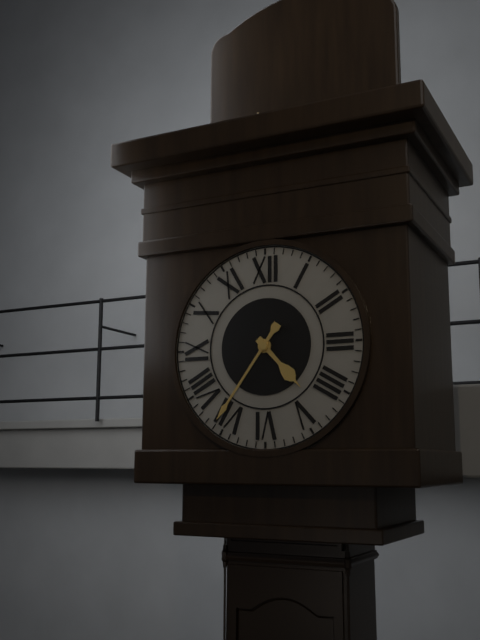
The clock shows **4:36**
